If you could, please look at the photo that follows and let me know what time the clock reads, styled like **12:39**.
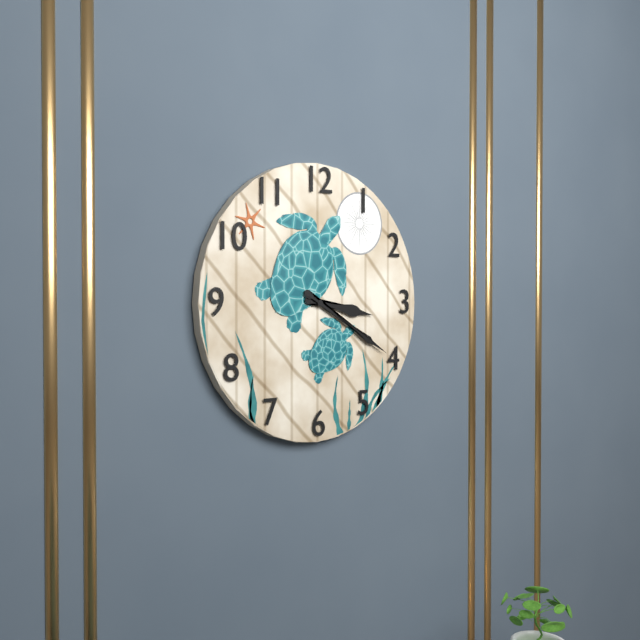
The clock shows **3:20**
